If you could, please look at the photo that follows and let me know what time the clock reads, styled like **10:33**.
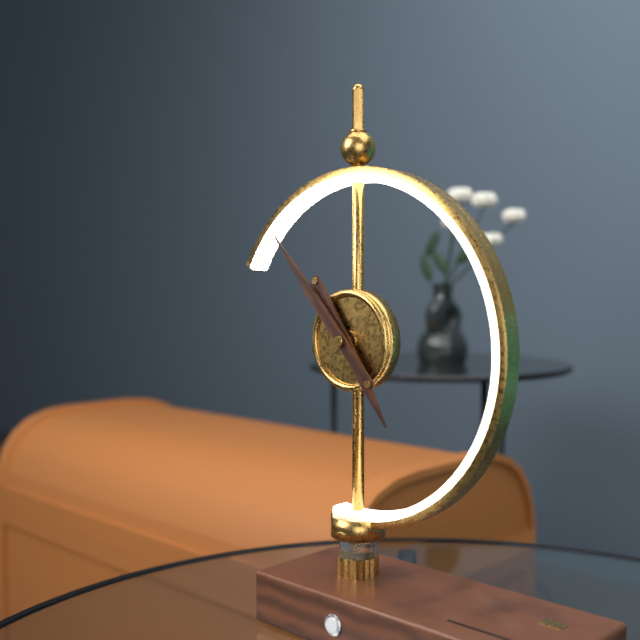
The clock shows **4:53**
